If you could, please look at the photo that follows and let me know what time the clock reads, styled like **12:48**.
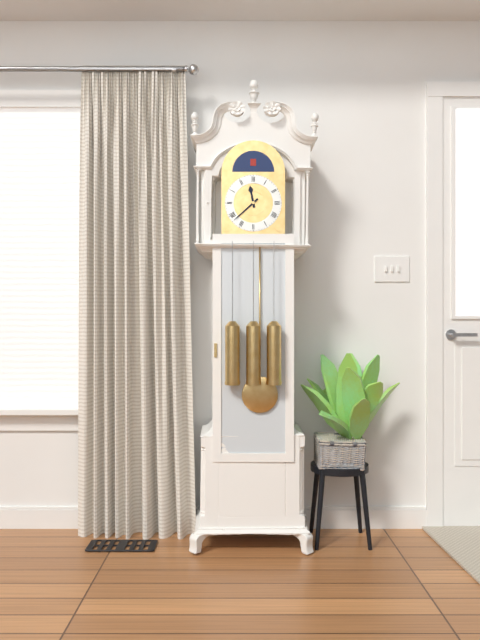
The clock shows **11:38**
